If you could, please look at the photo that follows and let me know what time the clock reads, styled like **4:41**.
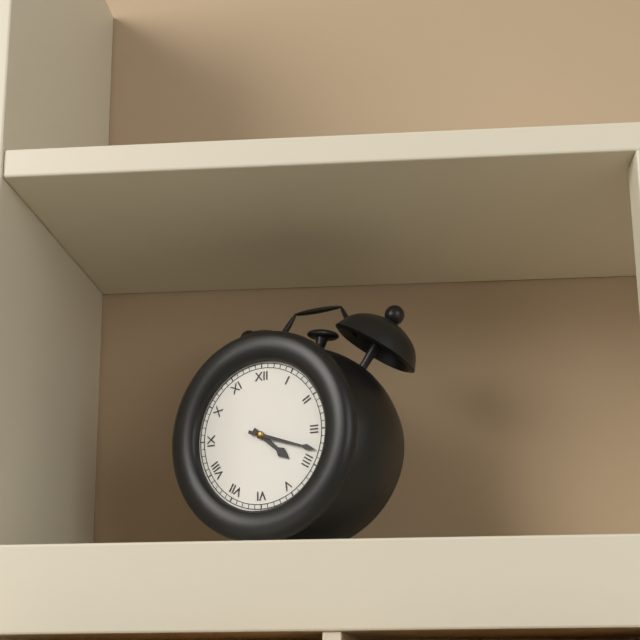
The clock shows **4:18**
